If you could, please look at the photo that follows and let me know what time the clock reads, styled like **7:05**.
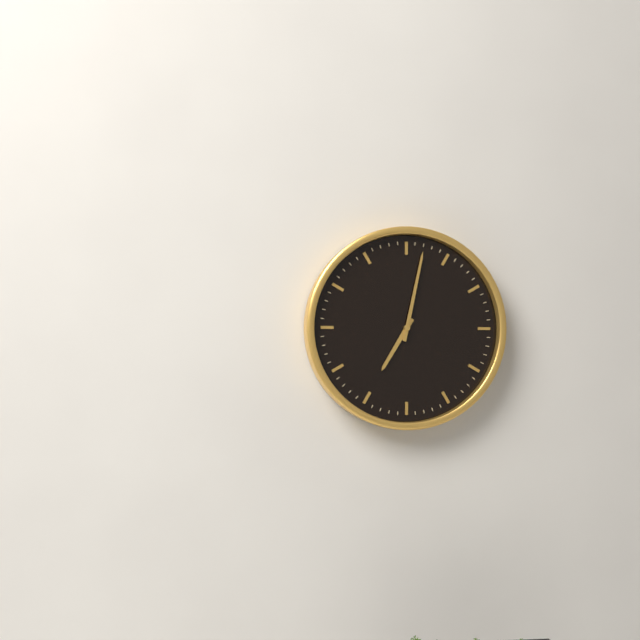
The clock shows **7:02**
